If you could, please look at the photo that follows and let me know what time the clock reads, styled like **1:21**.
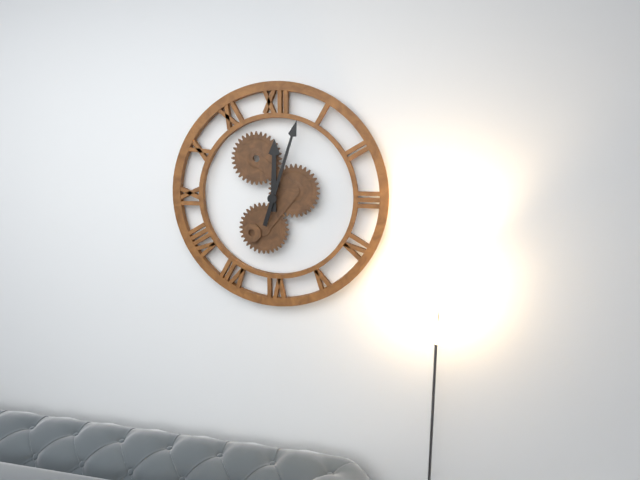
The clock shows **12:03**
